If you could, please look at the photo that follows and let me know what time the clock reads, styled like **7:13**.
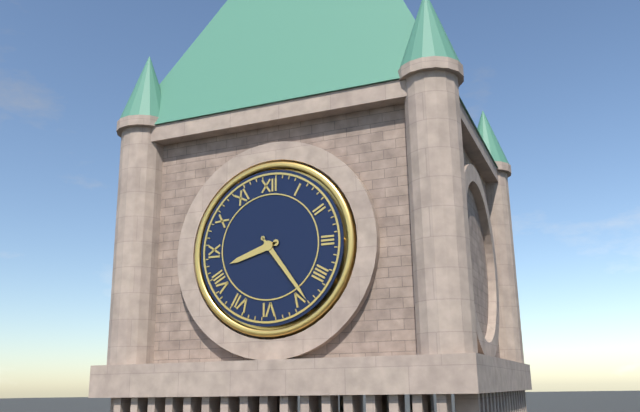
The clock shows **8:24**
